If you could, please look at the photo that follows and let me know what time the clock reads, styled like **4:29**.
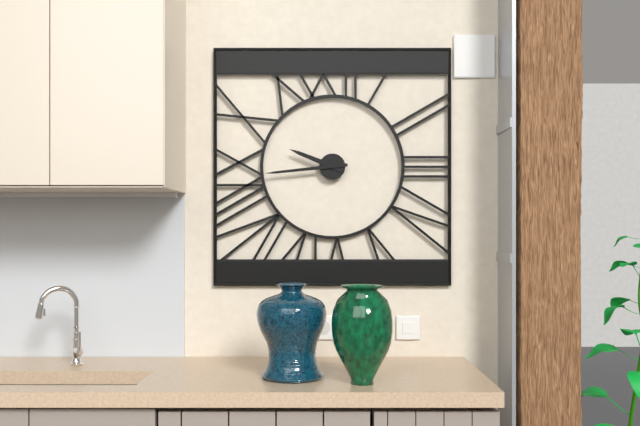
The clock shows **9:44**
